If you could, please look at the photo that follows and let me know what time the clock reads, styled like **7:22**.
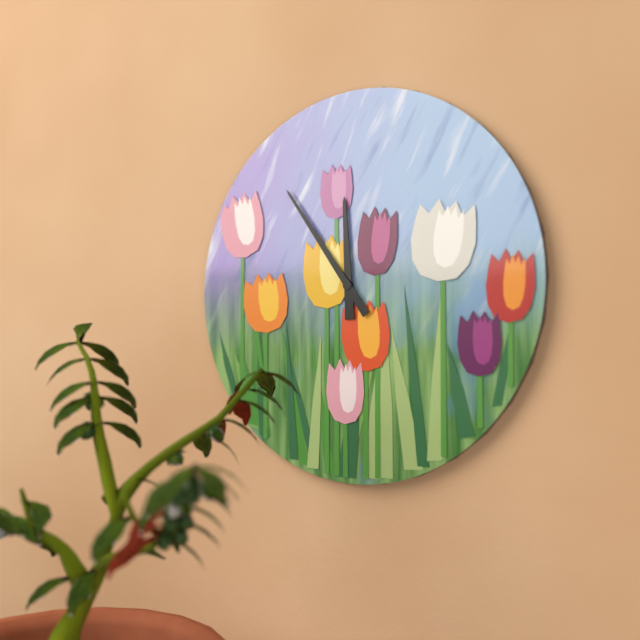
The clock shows **11:54**
